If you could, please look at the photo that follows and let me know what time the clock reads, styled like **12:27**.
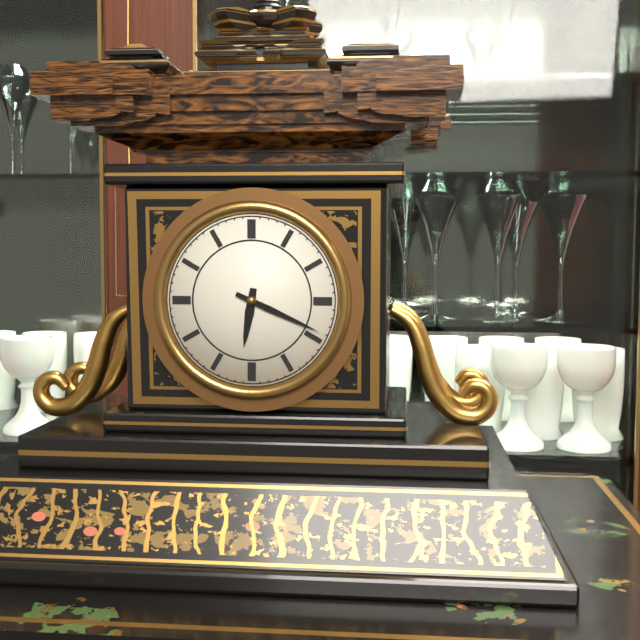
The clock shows **6:19**
